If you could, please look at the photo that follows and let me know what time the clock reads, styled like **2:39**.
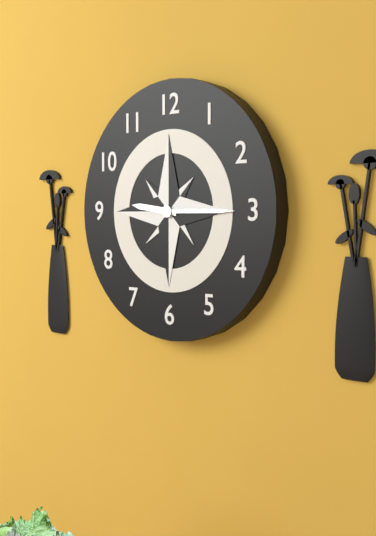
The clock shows **9:15**
